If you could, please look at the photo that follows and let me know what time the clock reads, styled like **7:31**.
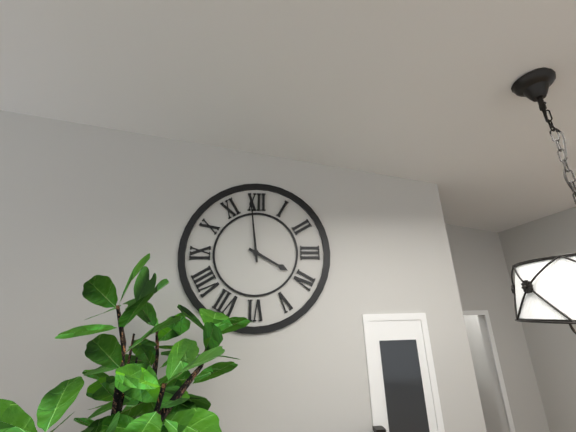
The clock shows **3:59**
